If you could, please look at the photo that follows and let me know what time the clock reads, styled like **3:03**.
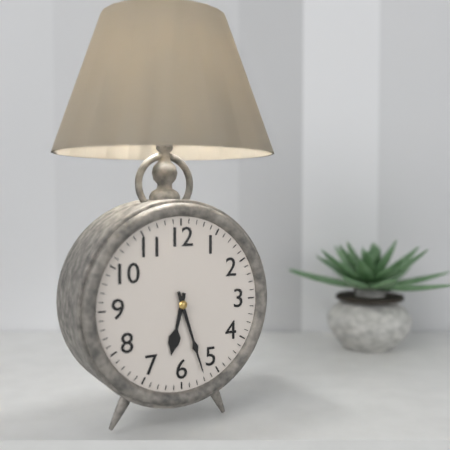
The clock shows **6:27**
